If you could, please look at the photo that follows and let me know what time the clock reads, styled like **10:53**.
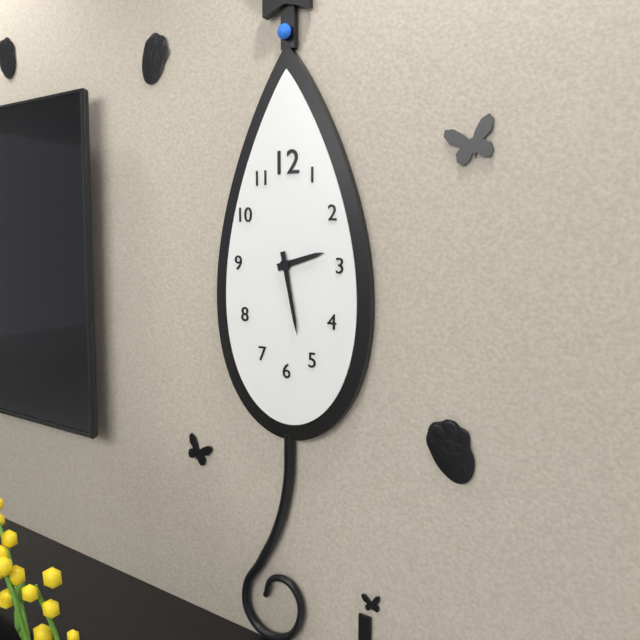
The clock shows **2:28**
